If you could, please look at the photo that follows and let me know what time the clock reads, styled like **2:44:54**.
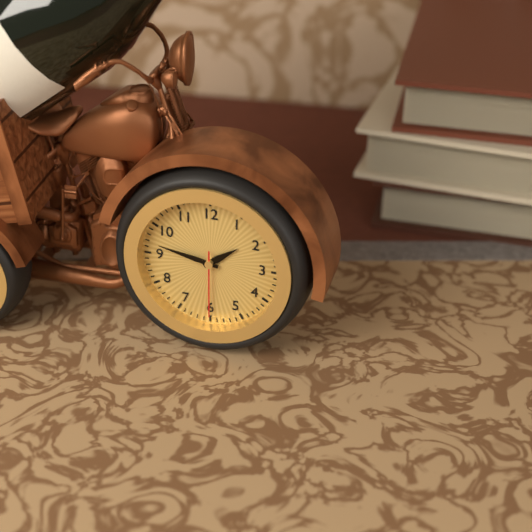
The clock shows **1:47:30**
